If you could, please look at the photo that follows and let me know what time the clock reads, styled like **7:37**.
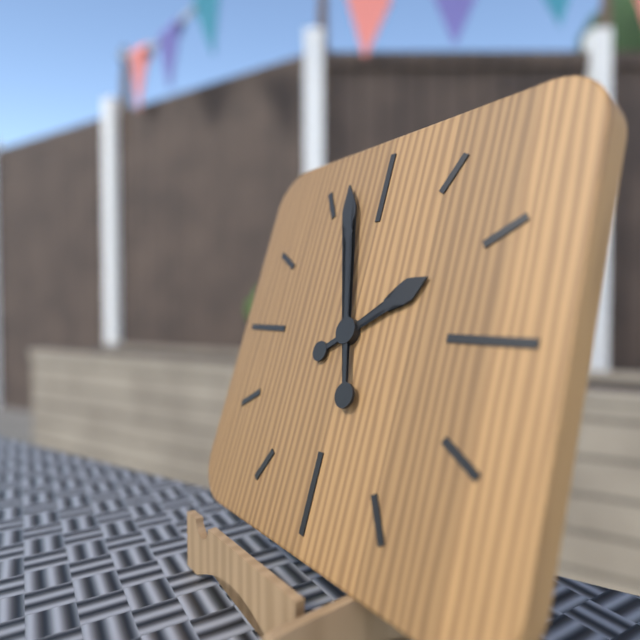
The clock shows **1:57**
